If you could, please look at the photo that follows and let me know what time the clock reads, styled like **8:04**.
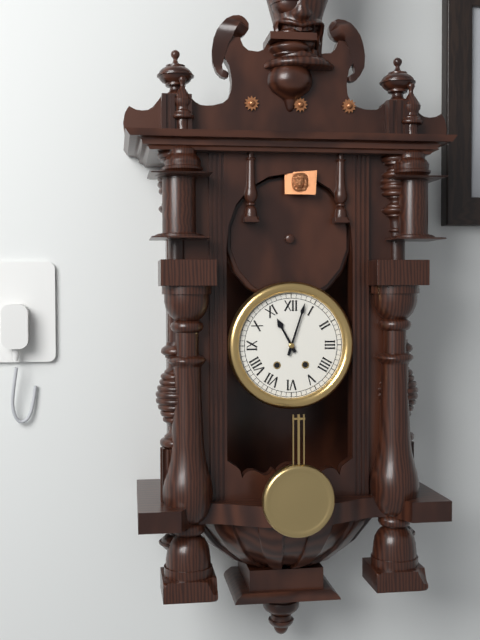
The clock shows **11:03**
